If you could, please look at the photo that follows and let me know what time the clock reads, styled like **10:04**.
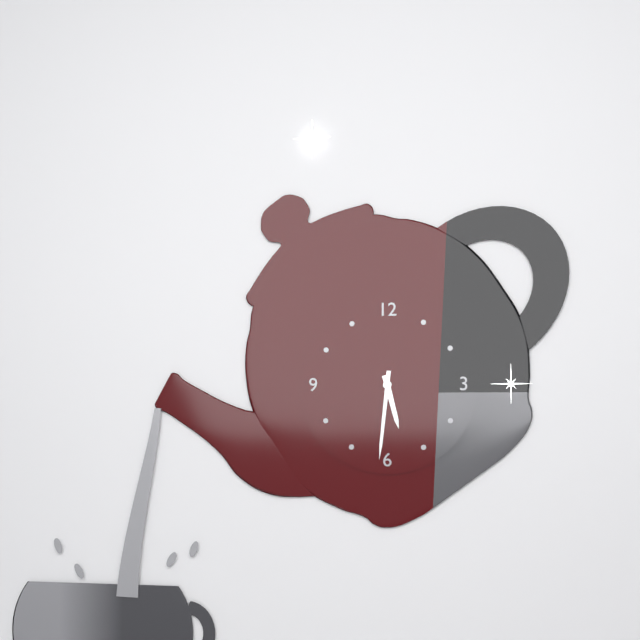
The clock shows **5:31**
